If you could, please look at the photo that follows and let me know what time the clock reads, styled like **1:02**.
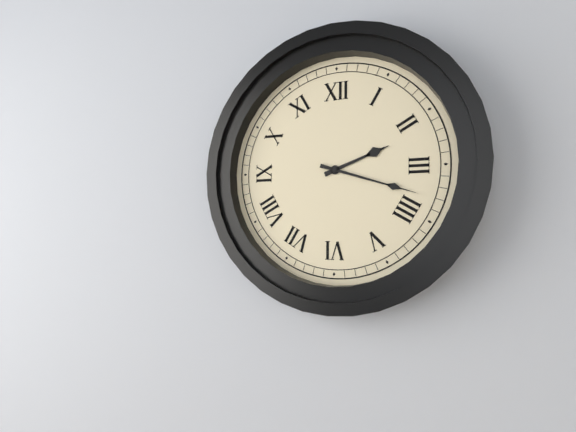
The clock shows **2:18**
